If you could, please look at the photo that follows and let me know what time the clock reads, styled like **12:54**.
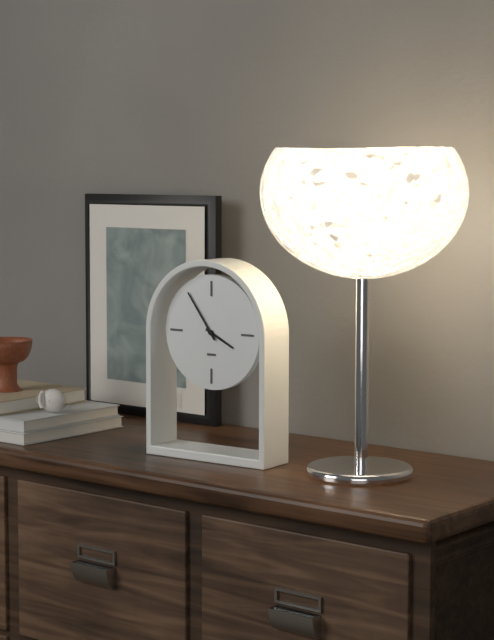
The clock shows **3:54**
